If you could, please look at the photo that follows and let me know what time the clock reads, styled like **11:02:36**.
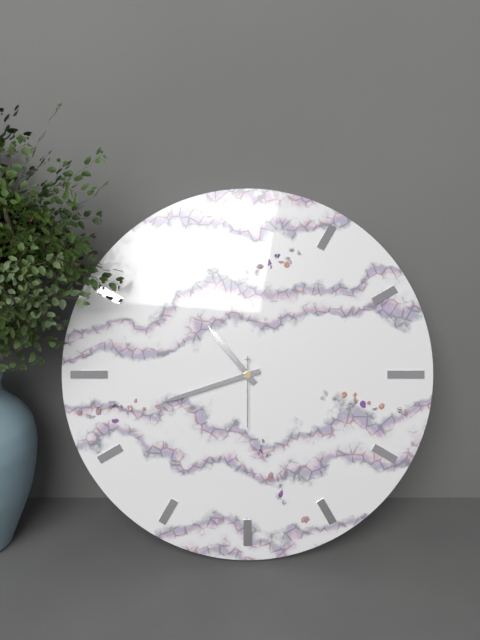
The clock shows **10:42:30**
